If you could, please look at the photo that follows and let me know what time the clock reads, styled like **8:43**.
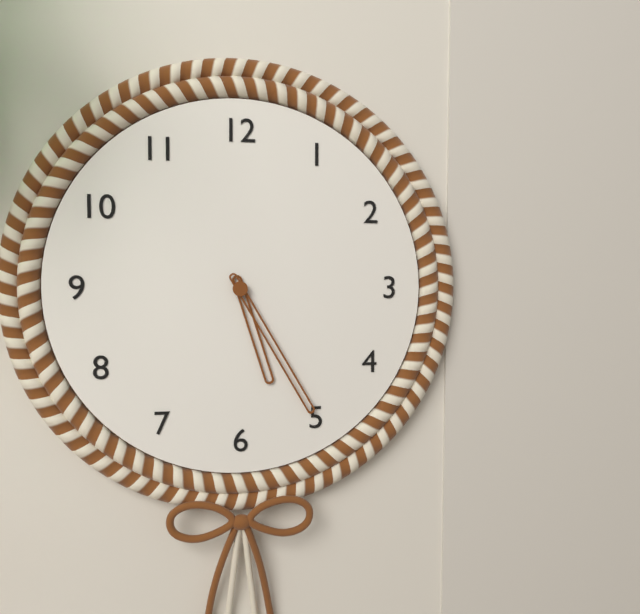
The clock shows **5:25**
